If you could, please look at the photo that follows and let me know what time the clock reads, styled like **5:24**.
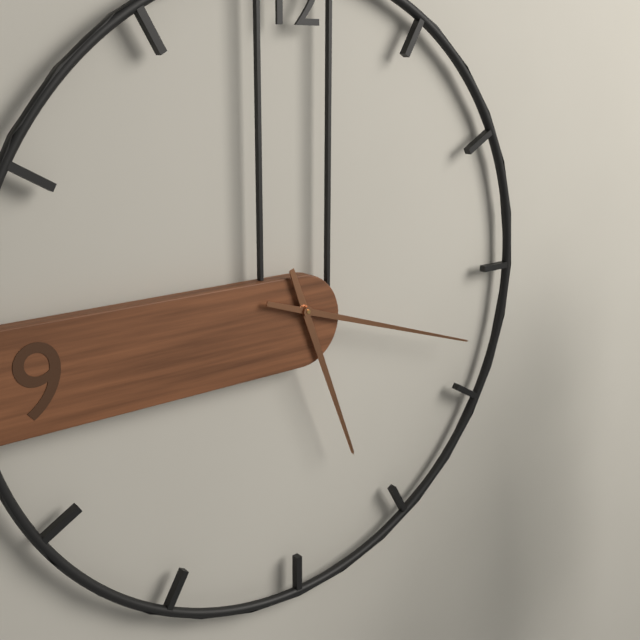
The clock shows **5:18**
